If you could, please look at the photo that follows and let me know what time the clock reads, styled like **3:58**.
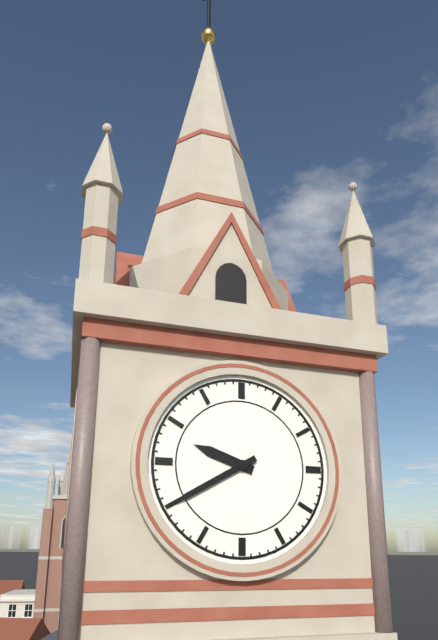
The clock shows **9:40**
